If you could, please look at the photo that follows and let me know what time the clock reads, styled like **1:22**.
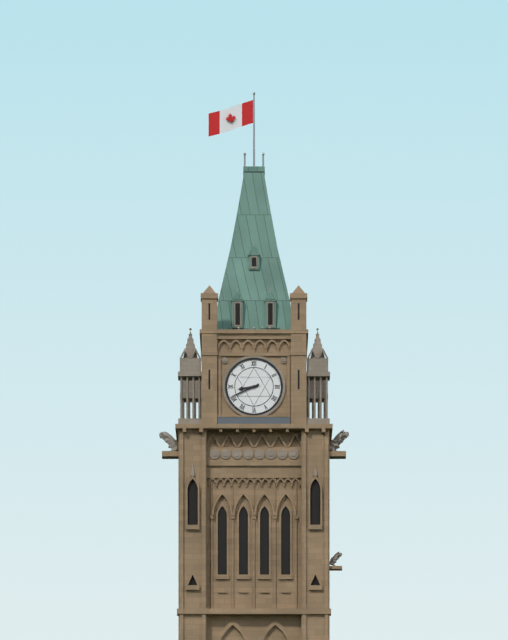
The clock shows **8:41**
